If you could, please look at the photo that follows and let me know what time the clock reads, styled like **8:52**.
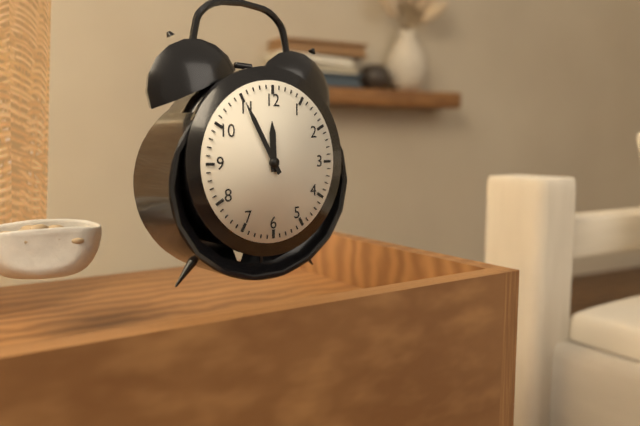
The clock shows **11:55**
